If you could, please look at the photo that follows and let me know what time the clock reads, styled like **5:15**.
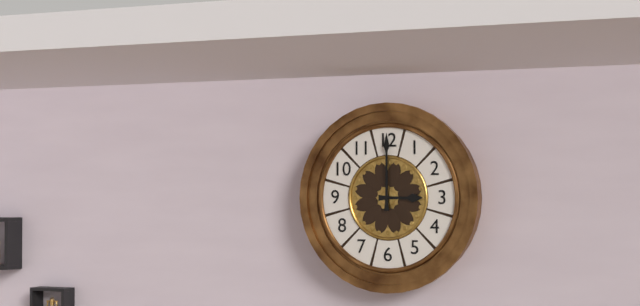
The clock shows **3:00**
